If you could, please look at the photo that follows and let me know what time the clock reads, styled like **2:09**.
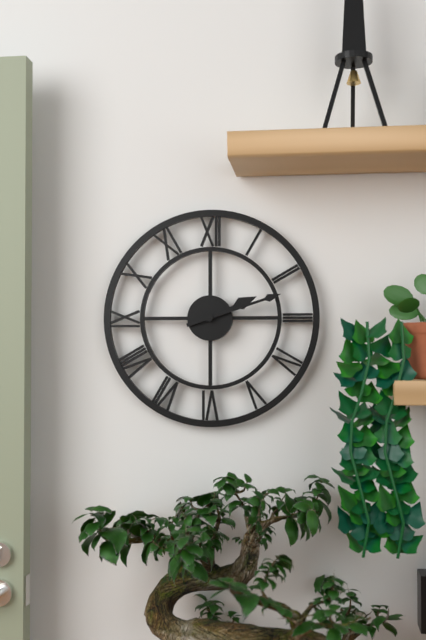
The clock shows **2:12**
